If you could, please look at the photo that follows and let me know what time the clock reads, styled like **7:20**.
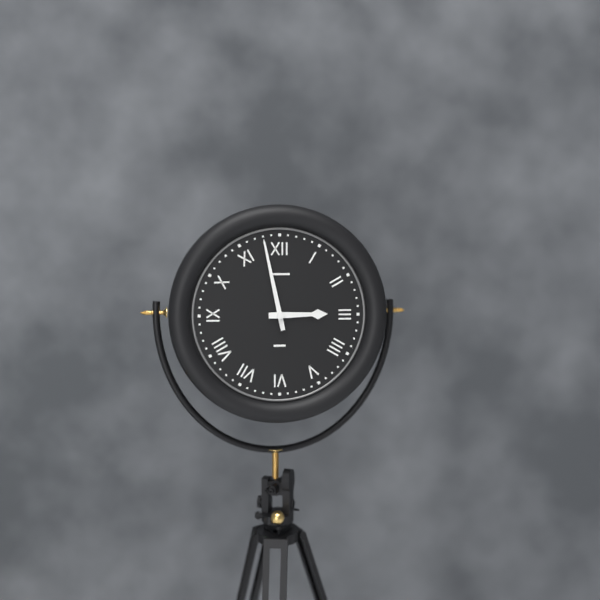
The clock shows **2:58**
